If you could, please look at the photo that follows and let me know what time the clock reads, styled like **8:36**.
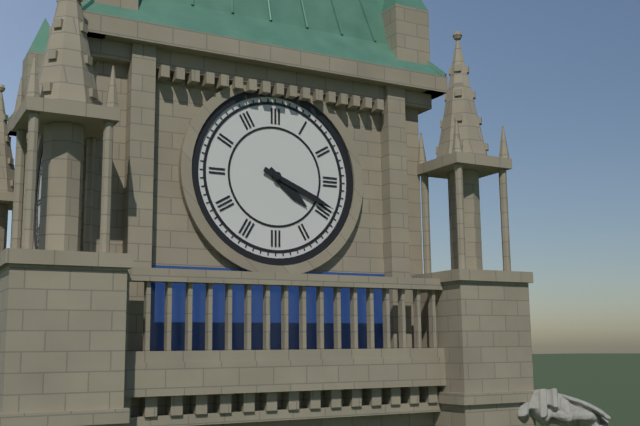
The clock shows **4:19**
